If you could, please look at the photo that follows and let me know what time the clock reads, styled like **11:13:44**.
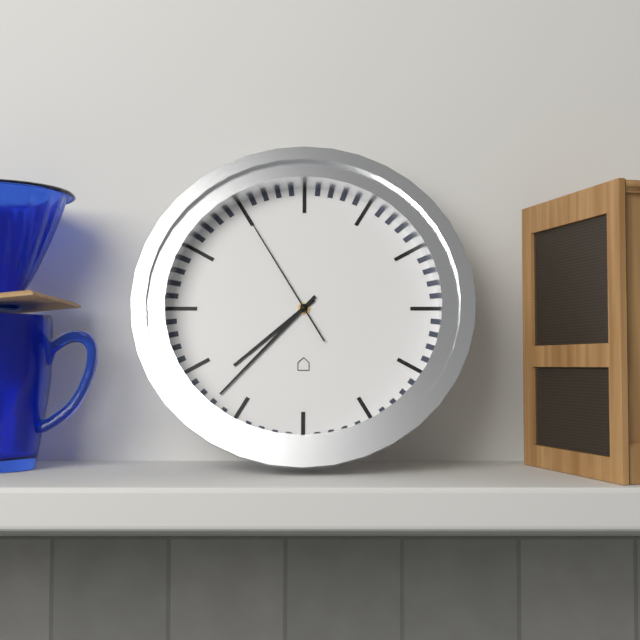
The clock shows **7:37:55**
